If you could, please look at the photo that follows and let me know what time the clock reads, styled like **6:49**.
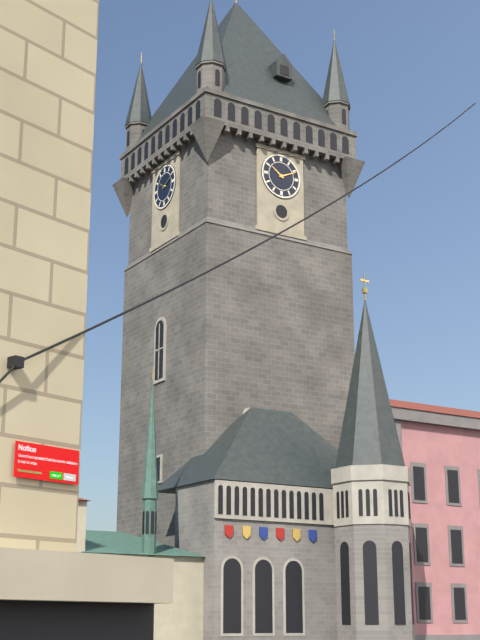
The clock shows **10:11**
